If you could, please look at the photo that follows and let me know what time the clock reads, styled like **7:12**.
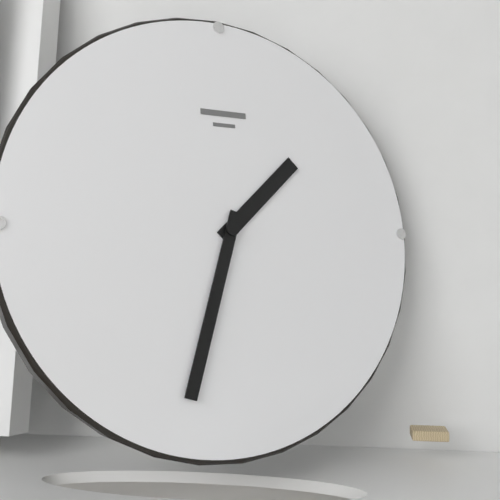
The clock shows **1:33**
